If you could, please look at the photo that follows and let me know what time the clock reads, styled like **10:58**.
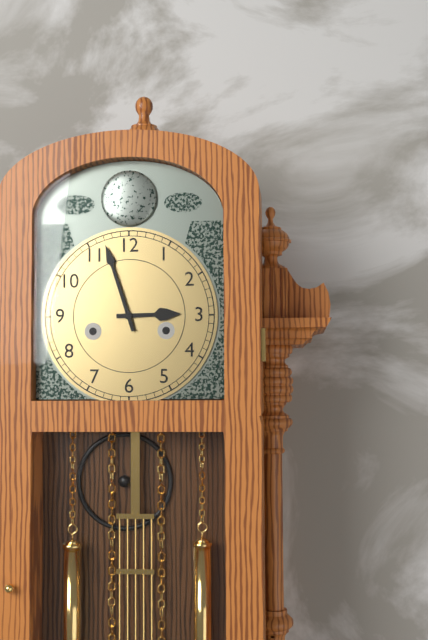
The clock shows **2:57**
